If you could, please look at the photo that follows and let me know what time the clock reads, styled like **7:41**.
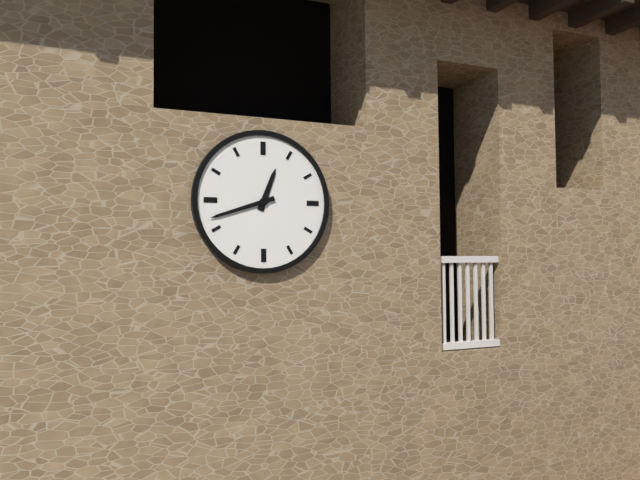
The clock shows **12:42**
